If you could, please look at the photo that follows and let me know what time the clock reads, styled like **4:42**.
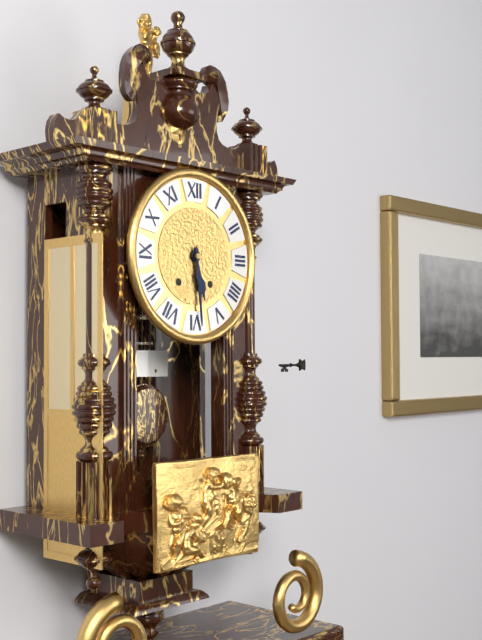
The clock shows **5:29**
